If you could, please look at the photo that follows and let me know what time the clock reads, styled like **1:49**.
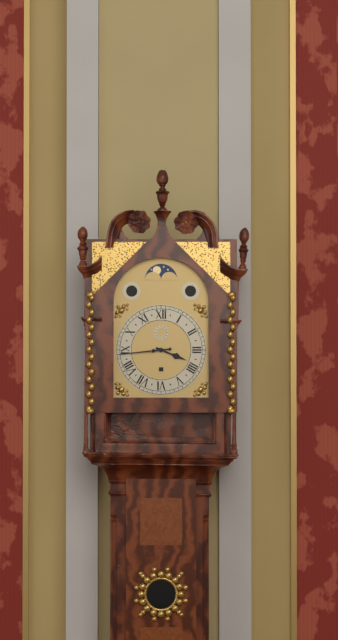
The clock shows **3:44**
